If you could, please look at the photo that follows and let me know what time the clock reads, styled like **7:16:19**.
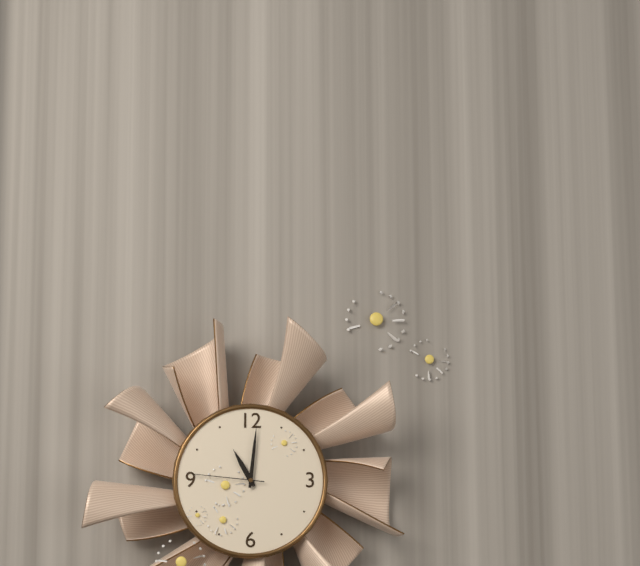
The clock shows **11:01:46**
